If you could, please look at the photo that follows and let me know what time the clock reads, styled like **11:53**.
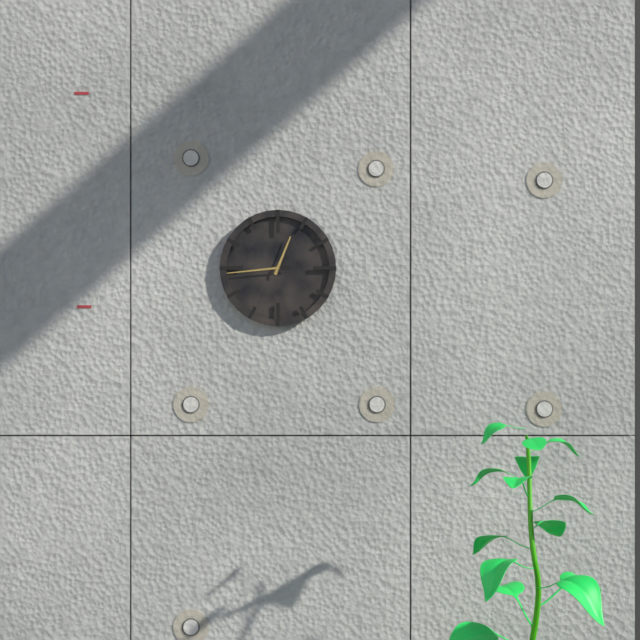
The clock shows **12:44**
